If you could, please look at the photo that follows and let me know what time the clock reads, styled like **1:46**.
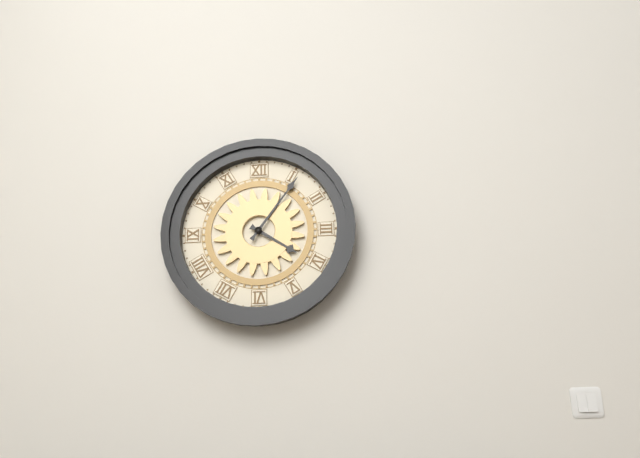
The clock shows **4:06**
